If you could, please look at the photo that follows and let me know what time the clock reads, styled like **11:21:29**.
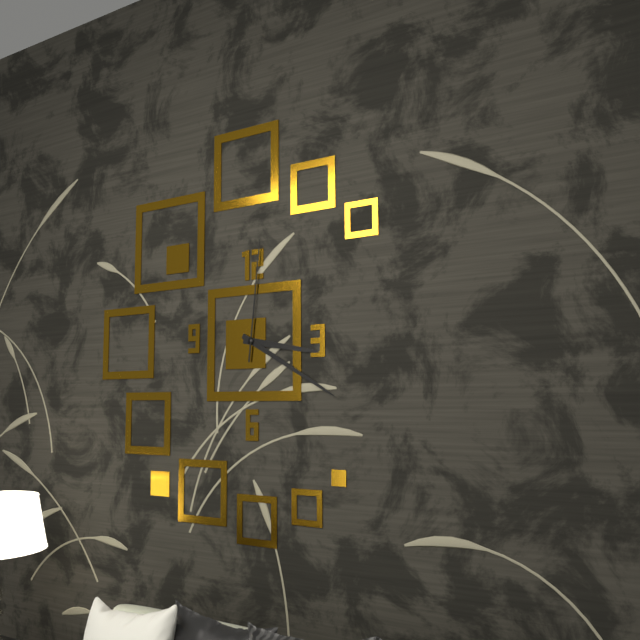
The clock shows **3:20:01**
